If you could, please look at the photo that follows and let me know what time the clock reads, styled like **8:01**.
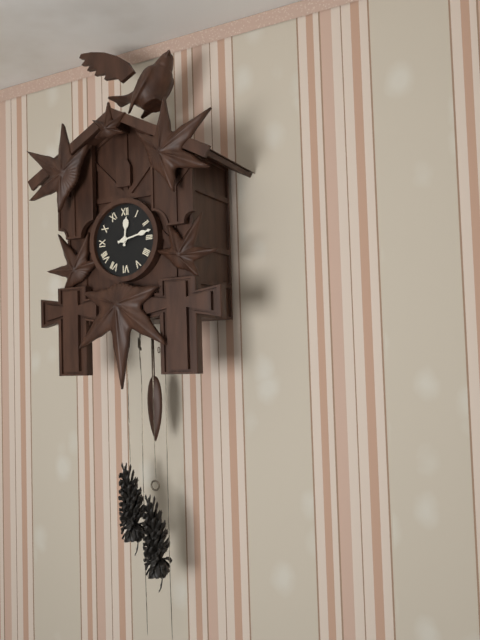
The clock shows **12:13**
